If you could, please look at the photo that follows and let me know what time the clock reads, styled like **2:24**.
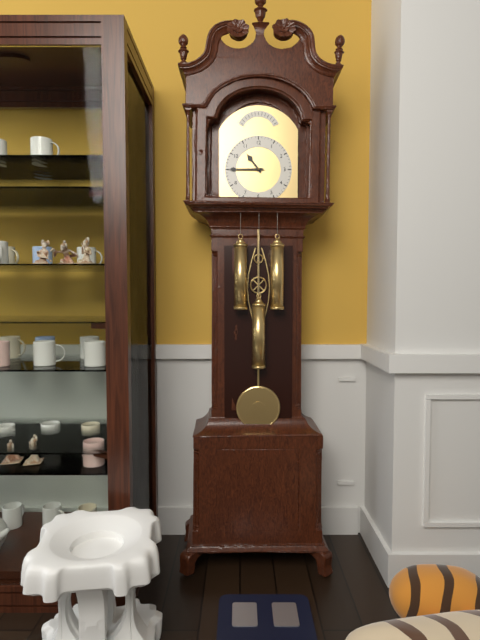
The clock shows **10:45**
